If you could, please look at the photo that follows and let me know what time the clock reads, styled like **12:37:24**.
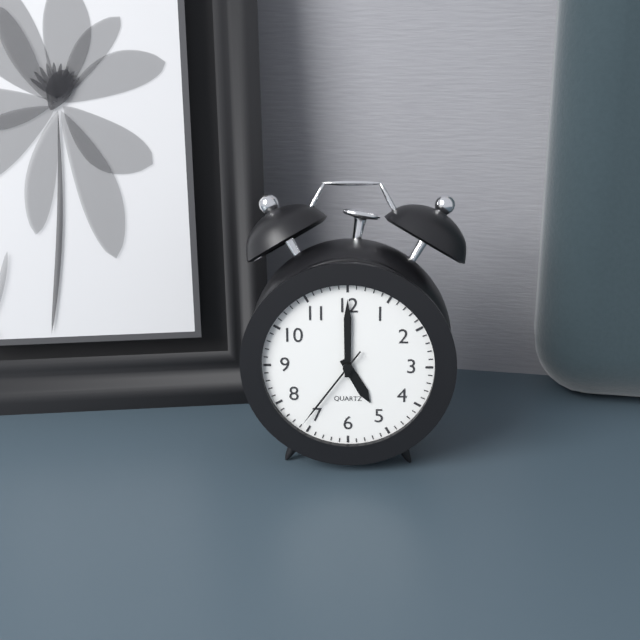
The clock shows **5:00:36**
